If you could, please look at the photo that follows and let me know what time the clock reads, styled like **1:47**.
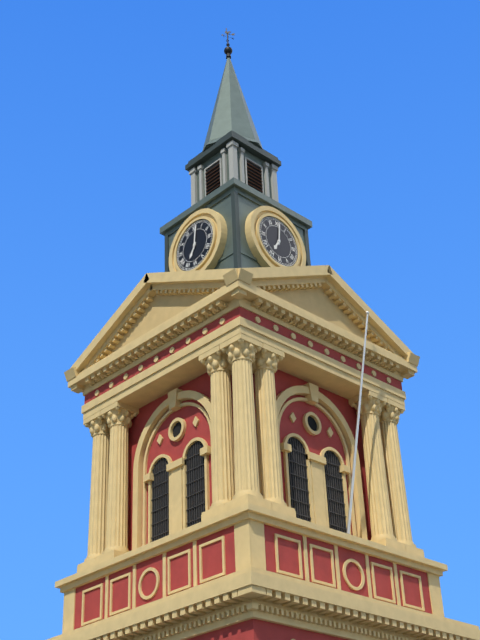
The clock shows **7:01**
